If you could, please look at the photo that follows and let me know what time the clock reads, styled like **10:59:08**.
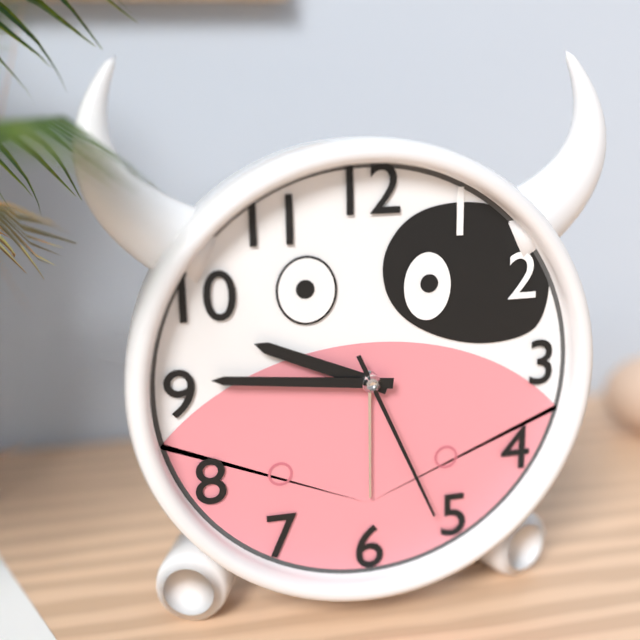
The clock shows **9:46:26**
